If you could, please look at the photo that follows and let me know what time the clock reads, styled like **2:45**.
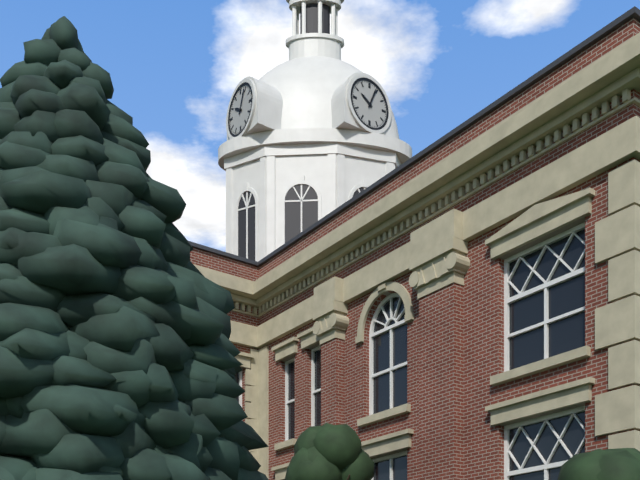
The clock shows **10:04**
